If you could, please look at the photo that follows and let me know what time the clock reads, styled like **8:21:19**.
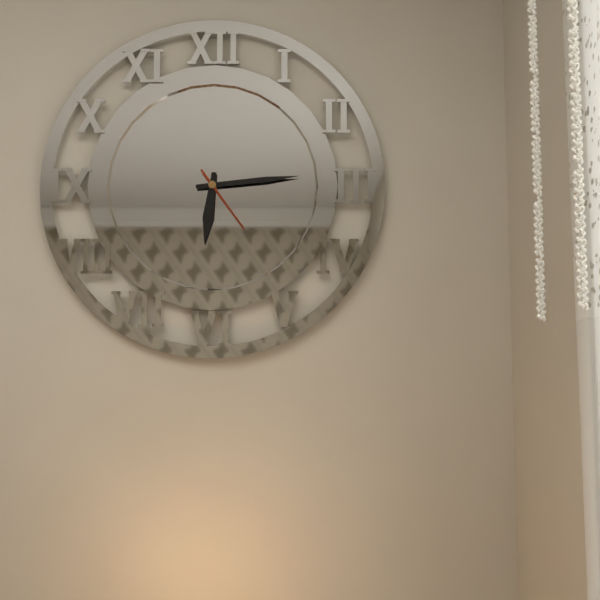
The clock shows **6:14:24**
